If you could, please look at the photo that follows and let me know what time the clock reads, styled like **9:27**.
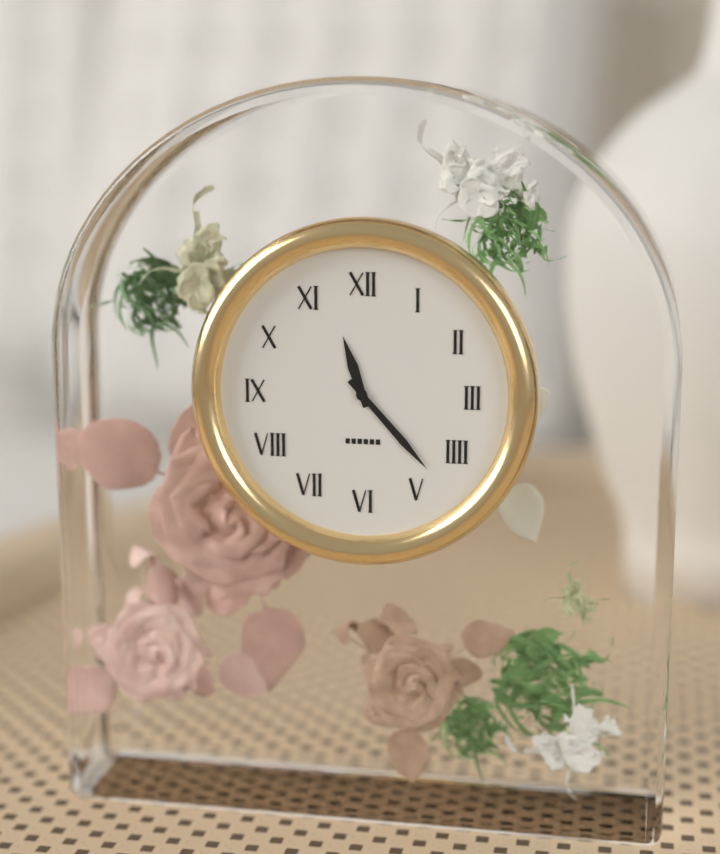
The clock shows **11:23**
